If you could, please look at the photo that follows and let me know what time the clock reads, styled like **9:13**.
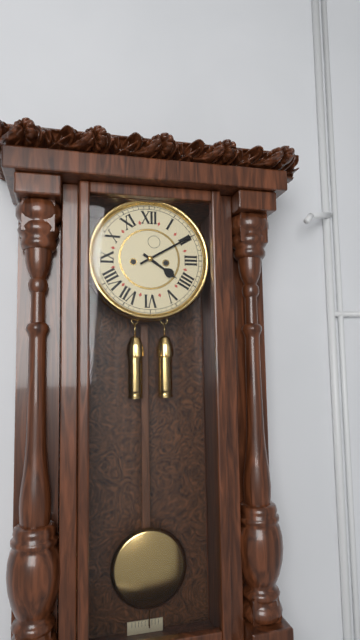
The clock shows **4:10**
